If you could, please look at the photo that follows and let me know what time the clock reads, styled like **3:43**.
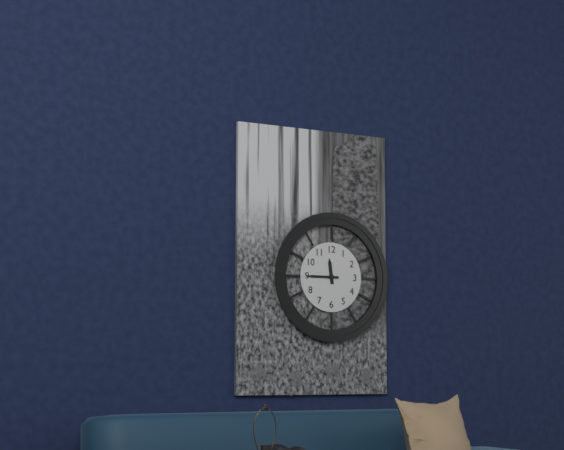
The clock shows **11:45**
